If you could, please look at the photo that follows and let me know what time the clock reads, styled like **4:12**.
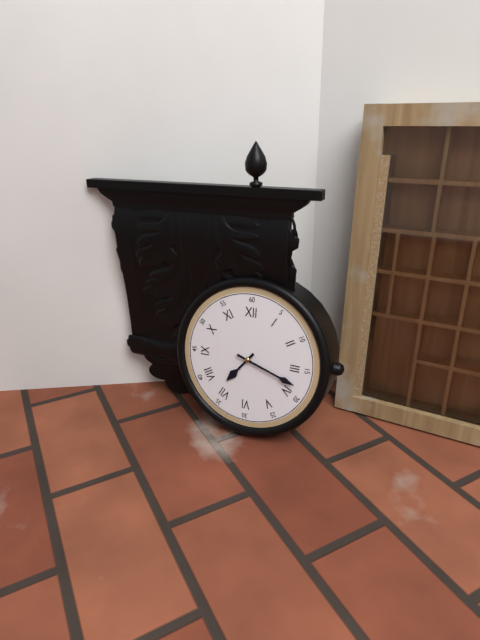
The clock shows **7:18**
